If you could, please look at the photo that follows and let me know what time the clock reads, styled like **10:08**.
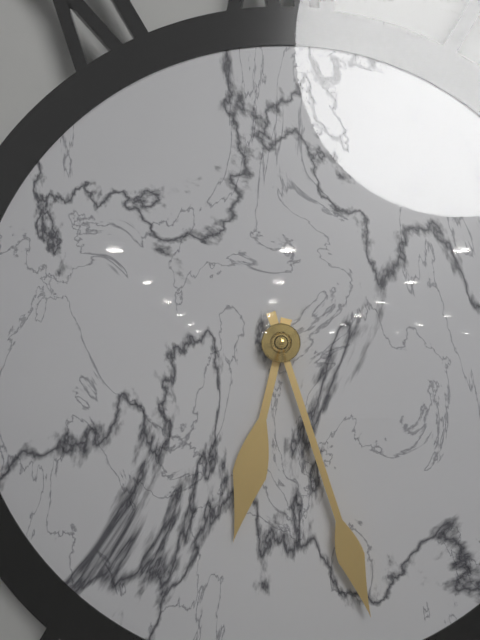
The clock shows **6:27**
